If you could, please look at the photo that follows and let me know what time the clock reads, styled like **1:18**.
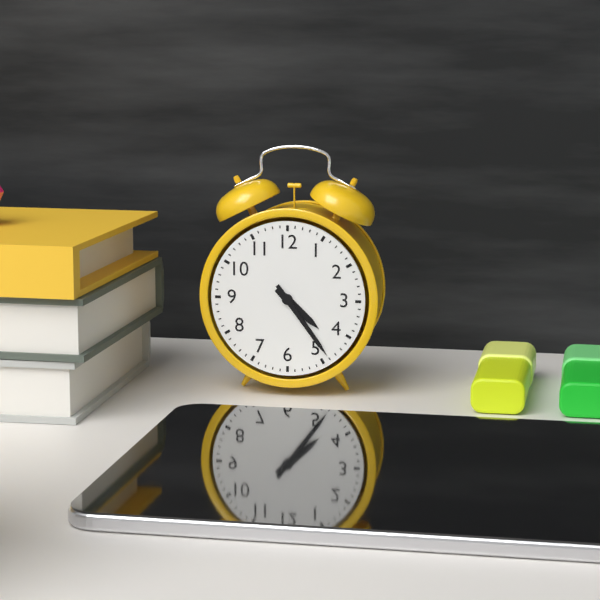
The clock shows **4:24**
